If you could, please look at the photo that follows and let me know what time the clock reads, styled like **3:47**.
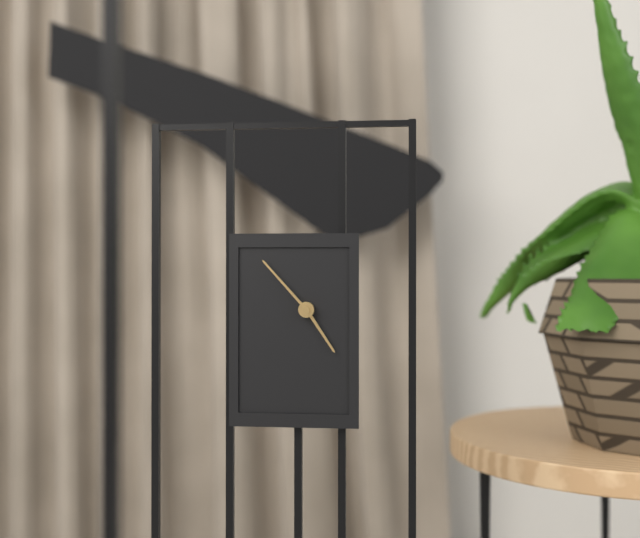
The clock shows **4:53**
